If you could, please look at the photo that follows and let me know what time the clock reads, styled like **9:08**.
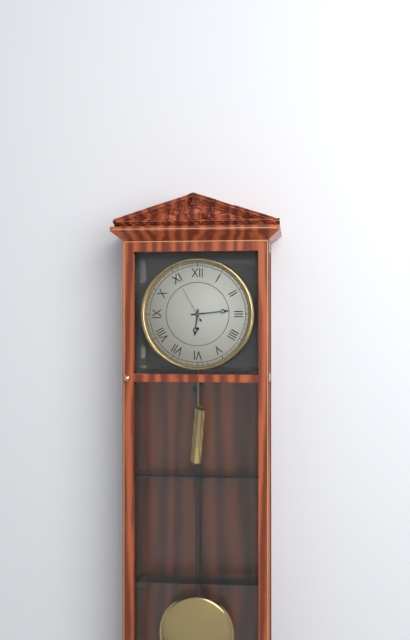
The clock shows **6:14**
